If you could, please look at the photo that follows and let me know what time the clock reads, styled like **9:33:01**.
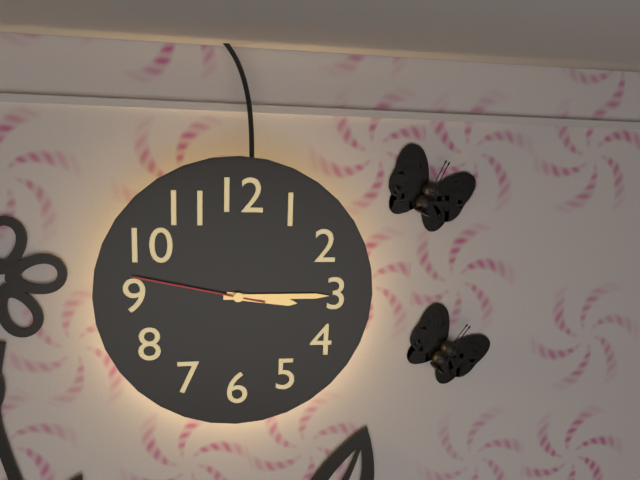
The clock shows **3:15:47**
